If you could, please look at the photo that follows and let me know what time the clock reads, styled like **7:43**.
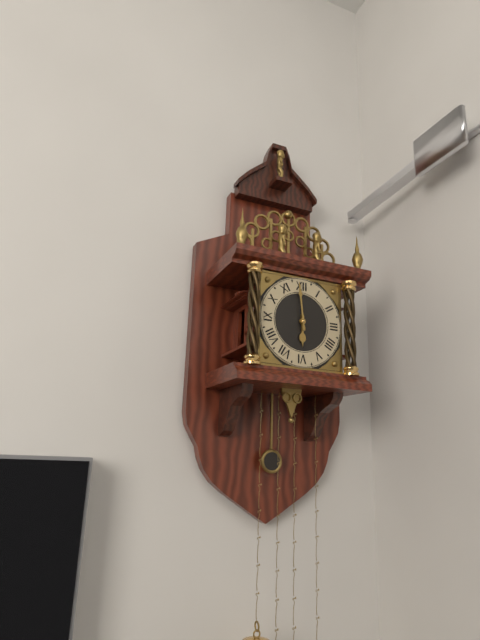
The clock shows **5:59**
